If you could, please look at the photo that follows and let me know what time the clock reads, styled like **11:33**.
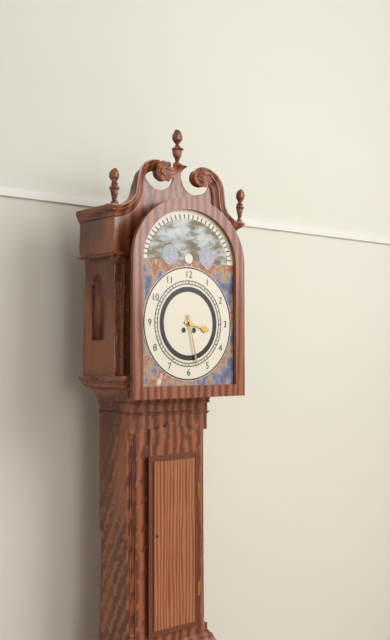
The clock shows **3:28**
